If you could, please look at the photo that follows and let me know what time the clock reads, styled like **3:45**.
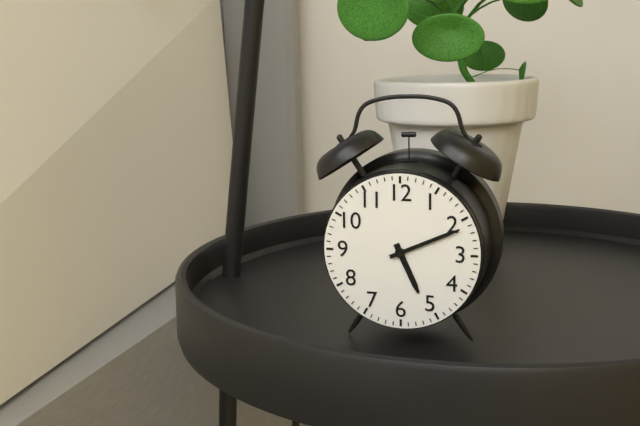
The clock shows **5:11**
